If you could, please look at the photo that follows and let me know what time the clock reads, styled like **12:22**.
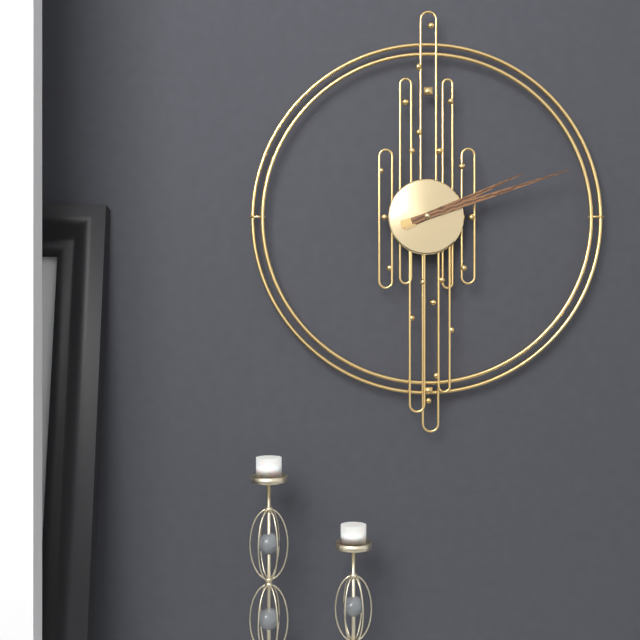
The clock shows **2:12**
